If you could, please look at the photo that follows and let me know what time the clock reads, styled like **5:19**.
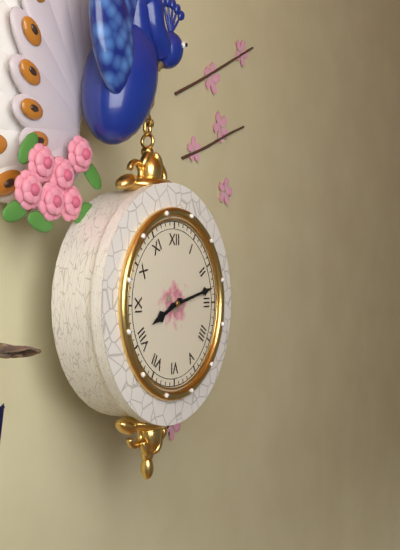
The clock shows **8:13**
